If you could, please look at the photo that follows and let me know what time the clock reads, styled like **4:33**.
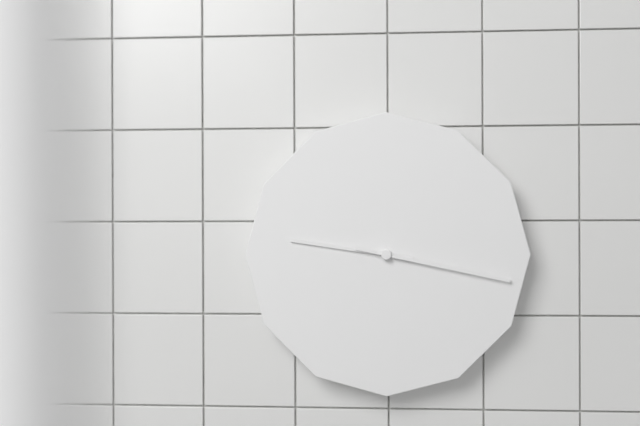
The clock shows **9:17**
